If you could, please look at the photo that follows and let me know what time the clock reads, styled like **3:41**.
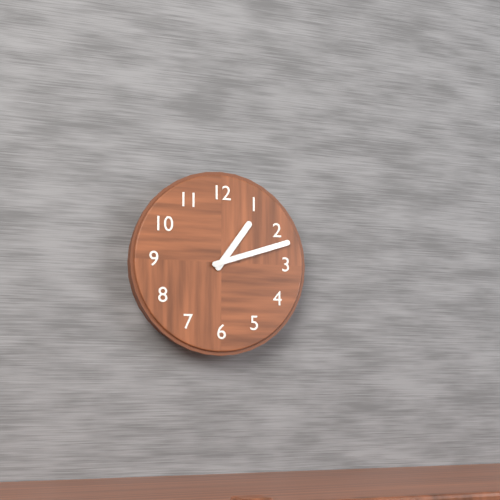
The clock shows **1:12**
